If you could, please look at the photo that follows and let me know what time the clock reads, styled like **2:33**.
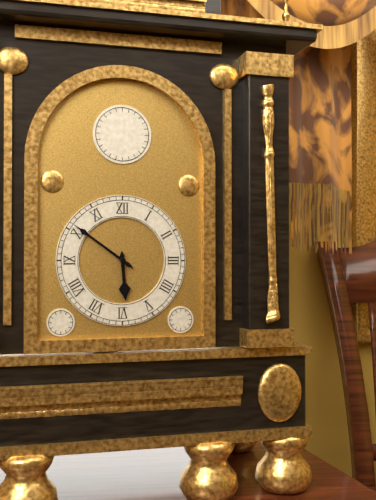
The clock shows **5:51**
